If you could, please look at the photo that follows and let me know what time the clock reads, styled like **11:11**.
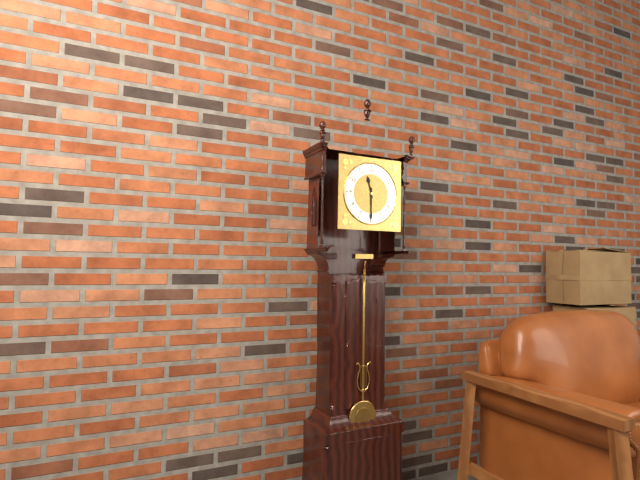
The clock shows **11:30**
